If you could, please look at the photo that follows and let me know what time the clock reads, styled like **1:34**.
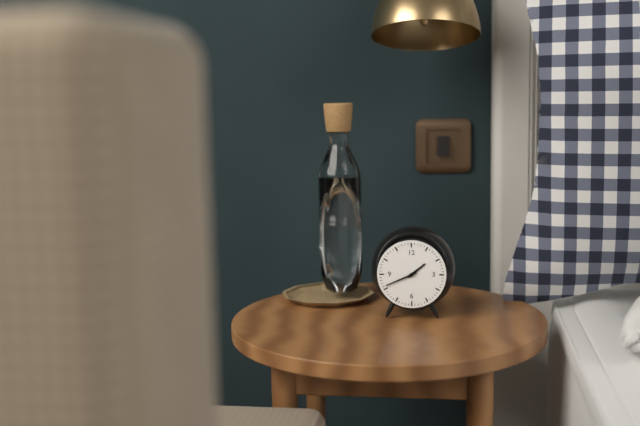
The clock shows **1:41**
